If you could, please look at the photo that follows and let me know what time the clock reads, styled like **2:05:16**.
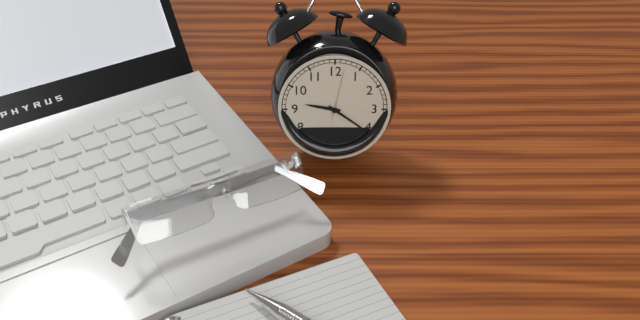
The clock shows **9:21:02**
